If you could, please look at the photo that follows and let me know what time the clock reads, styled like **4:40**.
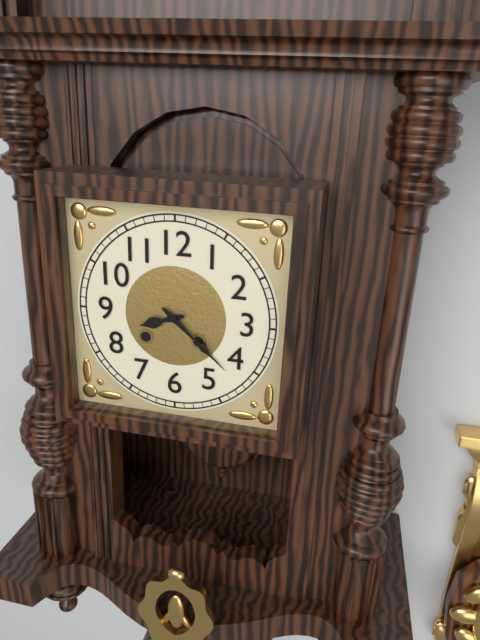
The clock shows **8:22**
